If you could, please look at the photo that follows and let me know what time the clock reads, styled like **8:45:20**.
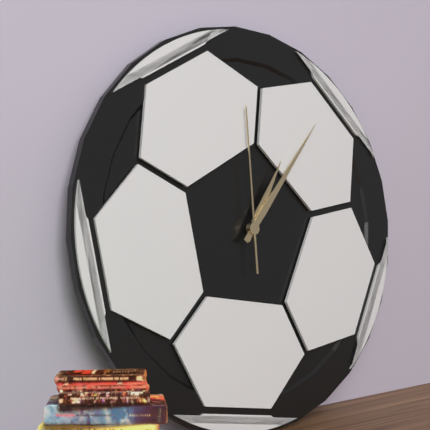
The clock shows **1:07:00**
